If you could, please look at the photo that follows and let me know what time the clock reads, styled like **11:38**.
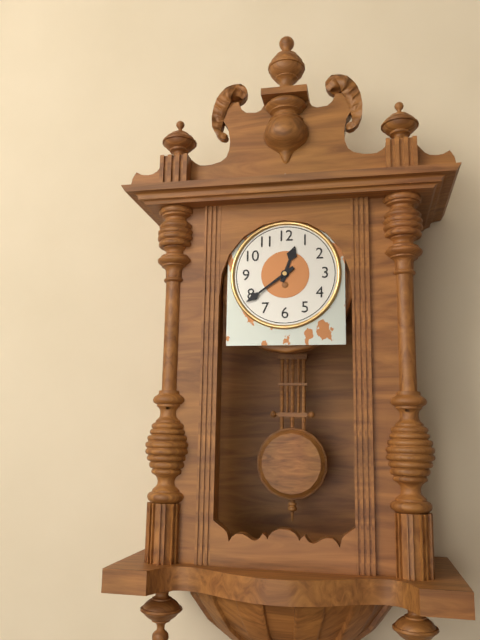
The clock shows **12:39**
